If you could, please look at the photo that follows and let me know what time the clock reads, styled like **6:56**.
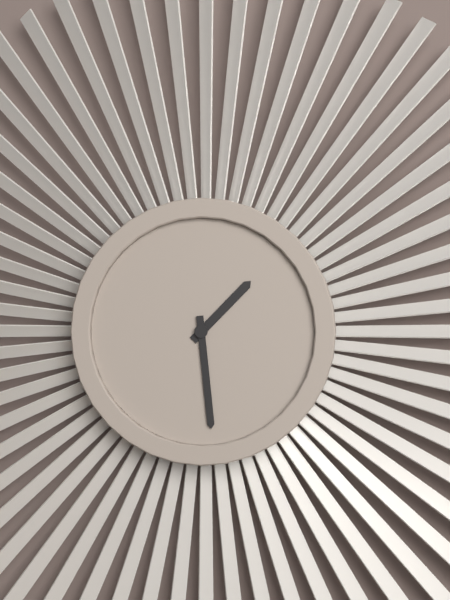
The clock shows **1:29**
